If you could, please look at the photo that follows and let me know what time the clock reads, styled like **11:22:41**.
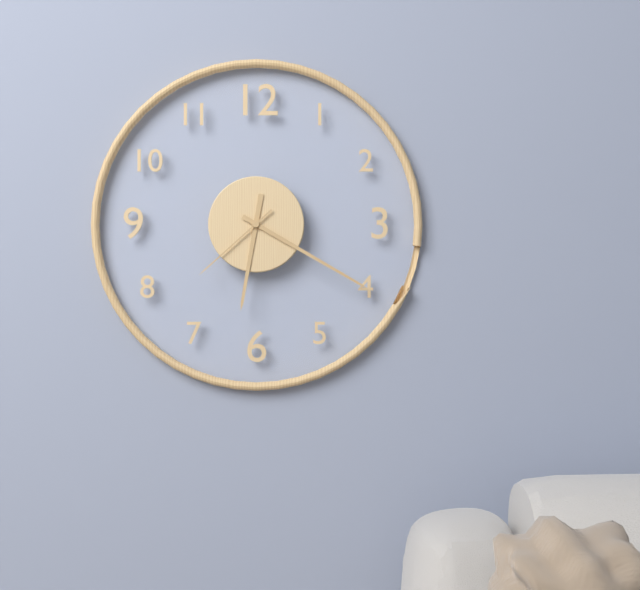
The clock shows **6:20:38**
